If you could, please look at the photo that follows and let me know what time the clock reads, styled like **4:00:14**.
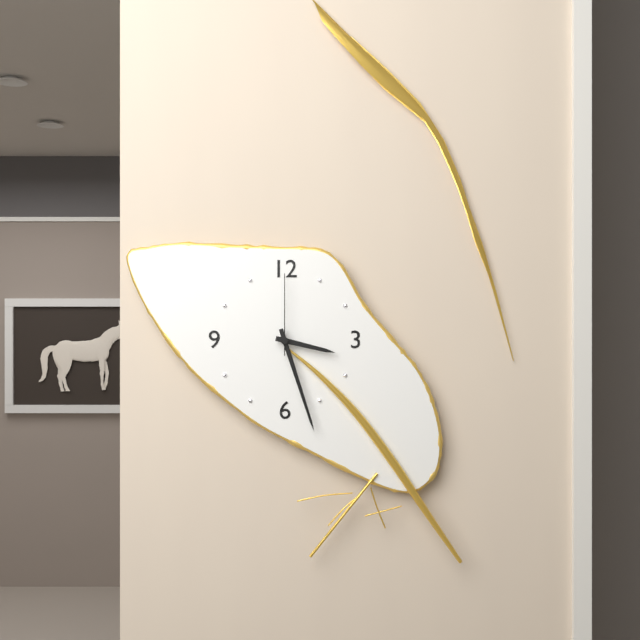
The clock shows **3:27:00**
